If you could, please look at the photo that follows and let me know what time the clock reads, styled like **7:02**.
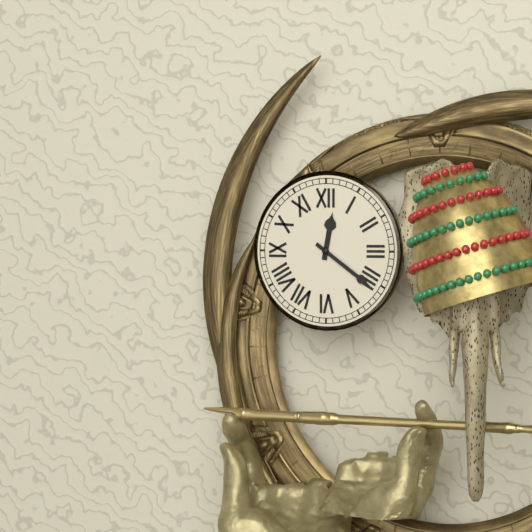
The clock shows **12:21**
